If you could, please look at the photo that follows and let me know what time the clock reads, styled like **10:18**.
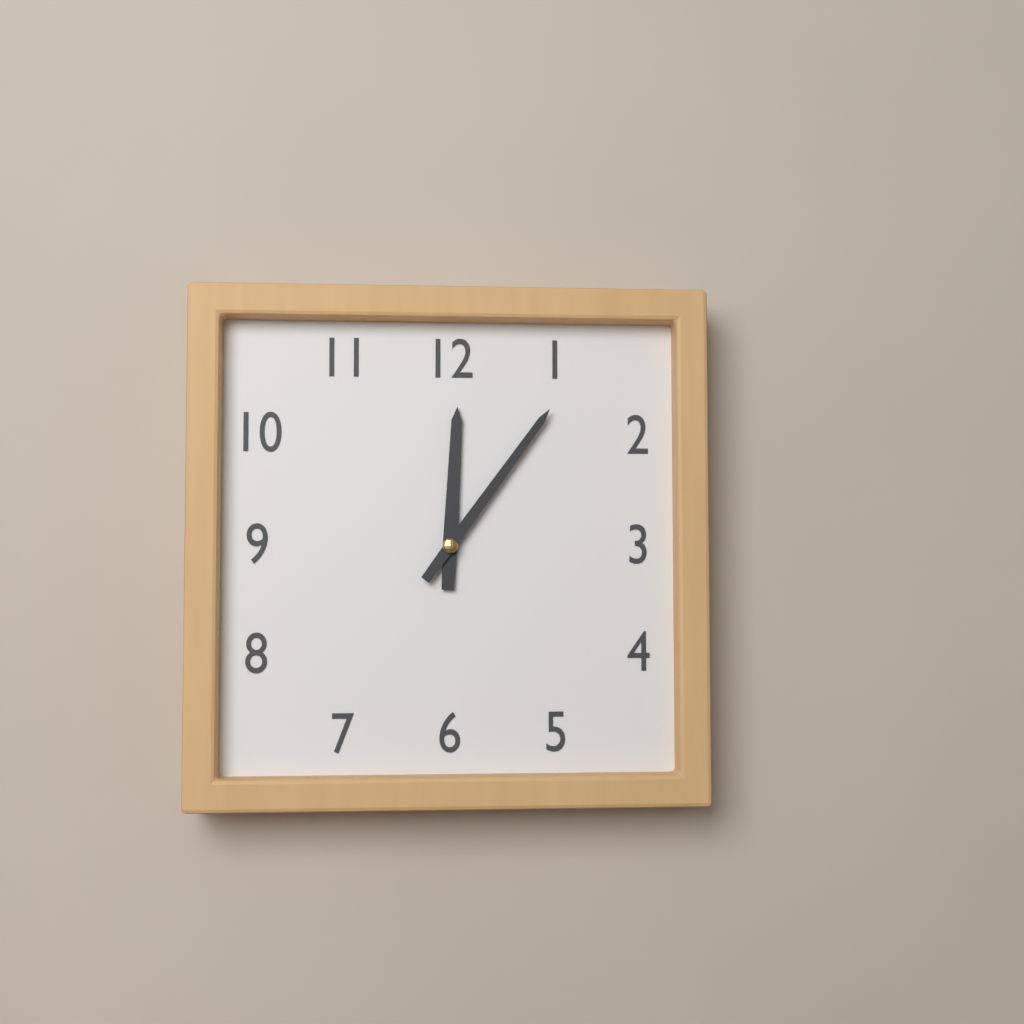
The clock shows **12:06**
